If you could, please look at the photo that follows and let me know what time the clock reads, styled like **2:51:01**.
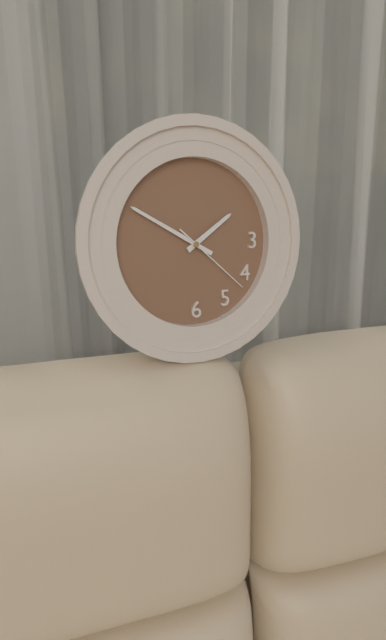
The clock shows **1:50:22**
